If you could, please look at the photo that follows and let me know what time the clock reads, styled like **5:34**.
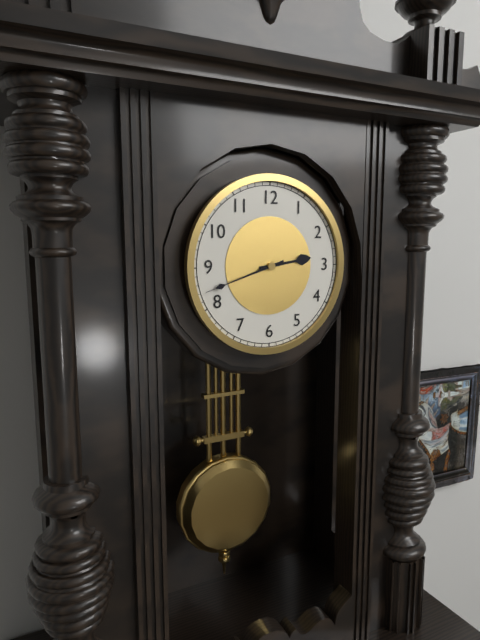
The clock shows **2:42**
